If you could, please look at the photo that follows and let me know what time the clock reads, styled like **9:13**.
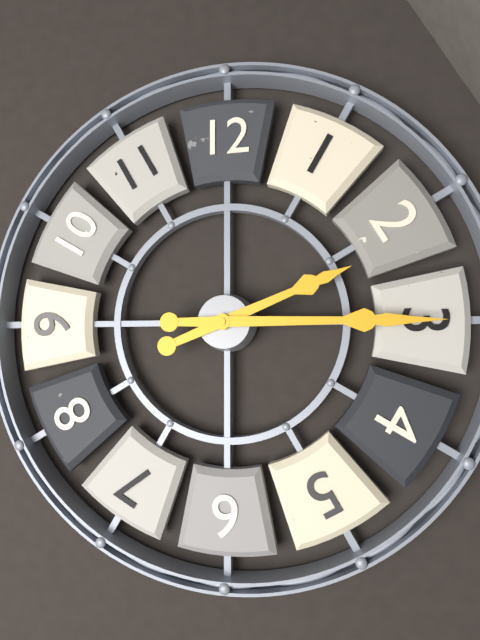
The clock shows **2:15**
